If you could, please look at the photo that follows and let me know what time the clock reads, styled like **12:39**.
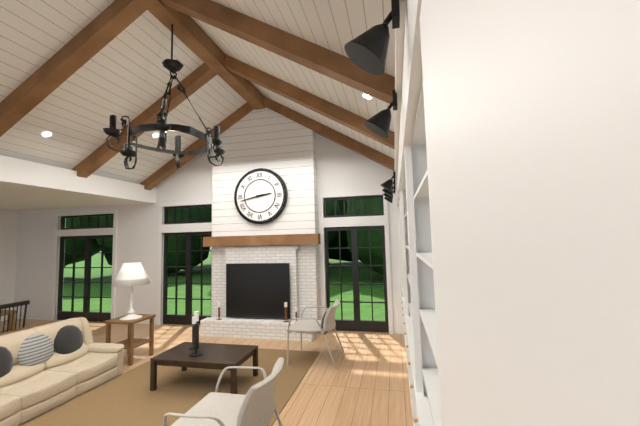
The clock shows **2:43**
